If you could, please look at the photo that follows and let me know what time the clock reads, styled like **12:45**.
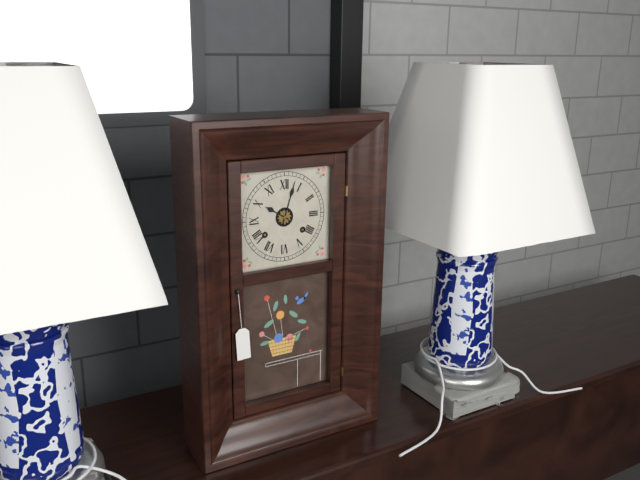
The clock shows **10:03**
